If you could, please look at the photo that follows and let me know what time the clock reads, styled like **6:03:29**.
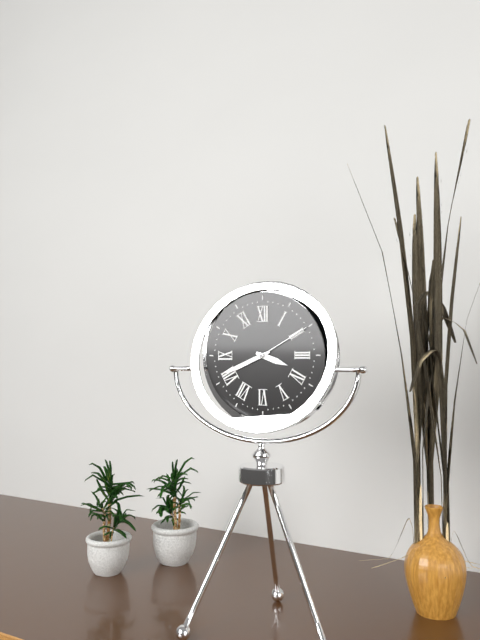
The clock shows **3:41:10**
